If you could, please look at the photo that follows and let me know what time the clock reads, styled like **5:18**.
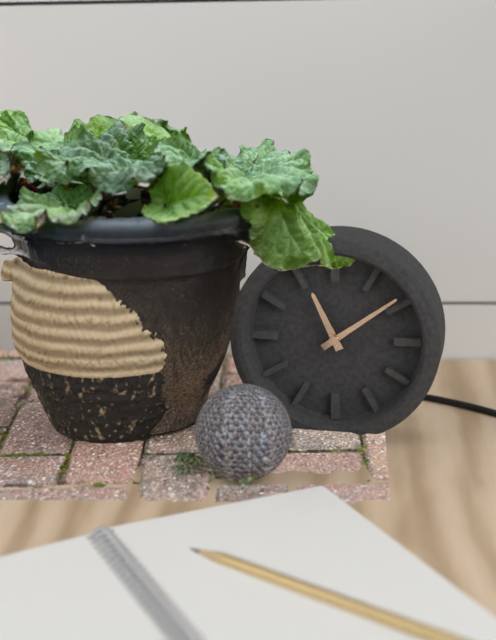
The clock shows **11:09**
